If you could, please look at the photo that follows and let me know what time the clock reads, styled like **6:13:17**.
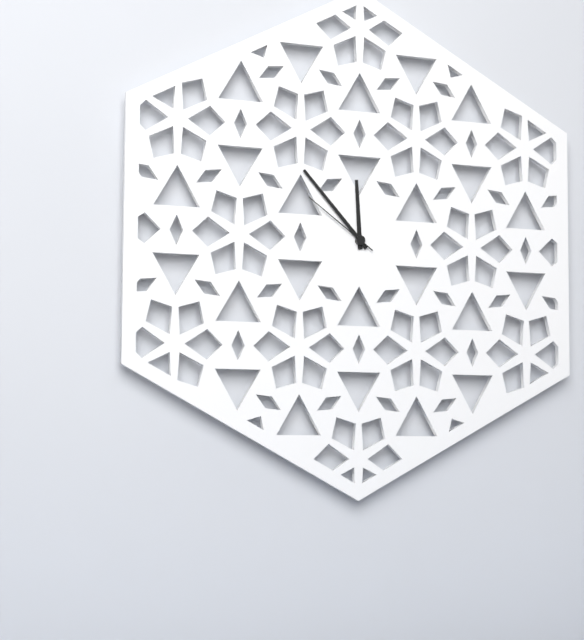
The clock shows **11:53:51**
